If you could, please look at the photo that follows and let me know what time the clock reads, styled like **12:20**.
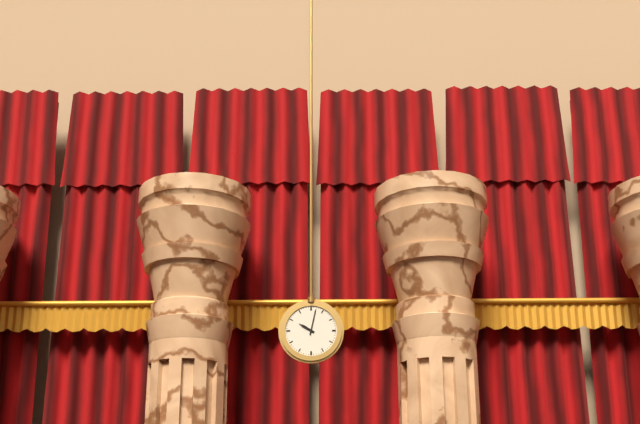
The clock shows **10:02**
